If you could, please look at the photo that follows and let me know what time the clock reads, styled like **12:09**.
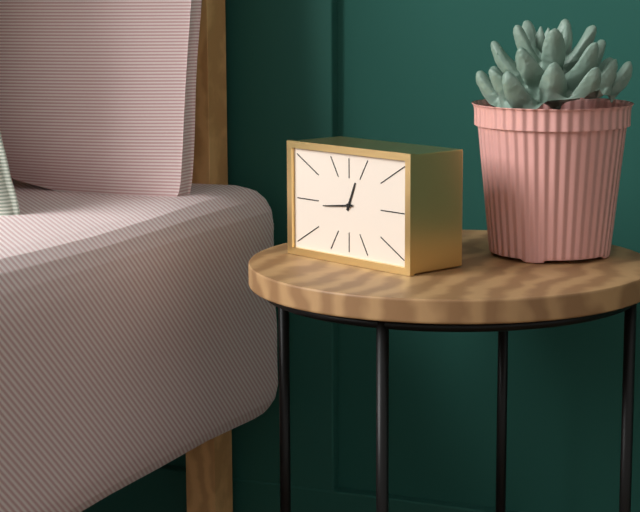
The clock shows **12:44**
